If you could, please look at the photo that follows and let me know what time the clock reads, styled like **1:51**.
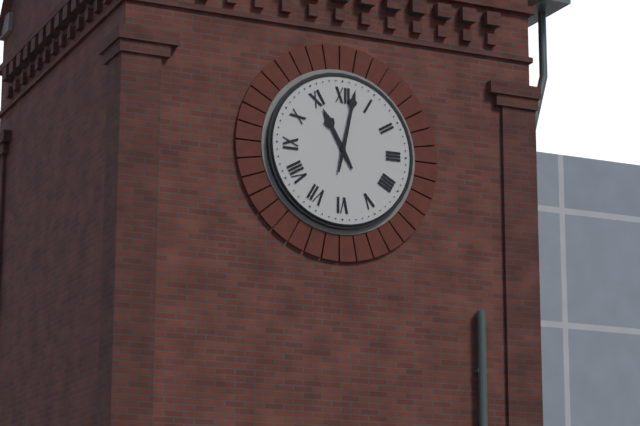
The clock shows **11:02**
